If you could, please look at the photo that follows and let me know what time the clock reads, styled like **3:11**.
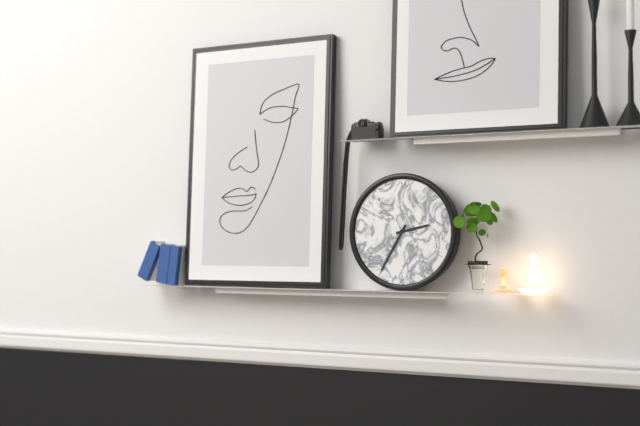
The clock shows **2:35**
